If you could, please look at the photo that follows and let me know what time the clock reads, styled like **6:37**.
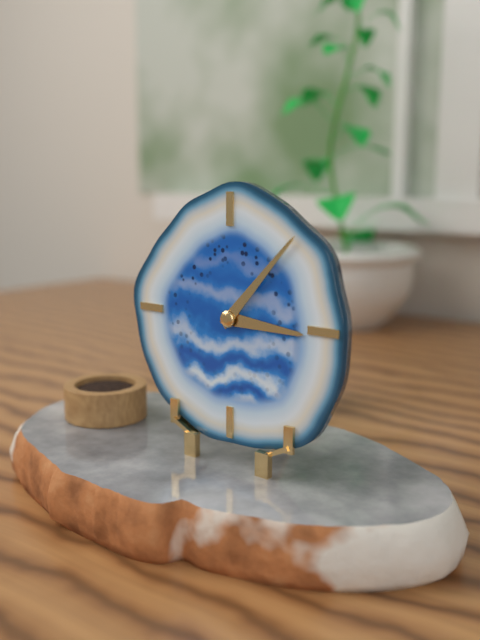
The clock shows **3:07**
